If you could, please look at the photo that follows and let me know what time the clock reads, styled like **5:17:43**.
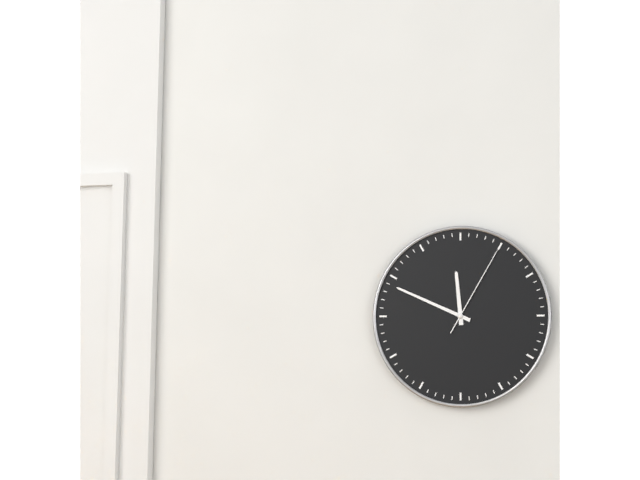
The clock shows **11:49:05**
